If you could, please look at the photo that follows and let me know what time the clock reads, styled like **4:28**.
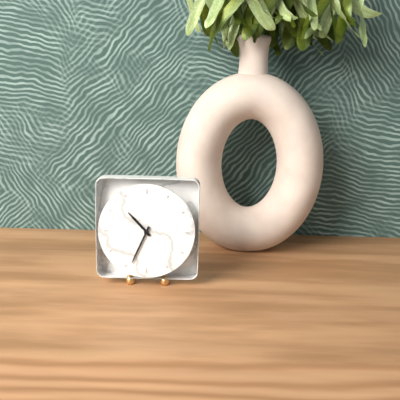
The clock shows **10:34**
